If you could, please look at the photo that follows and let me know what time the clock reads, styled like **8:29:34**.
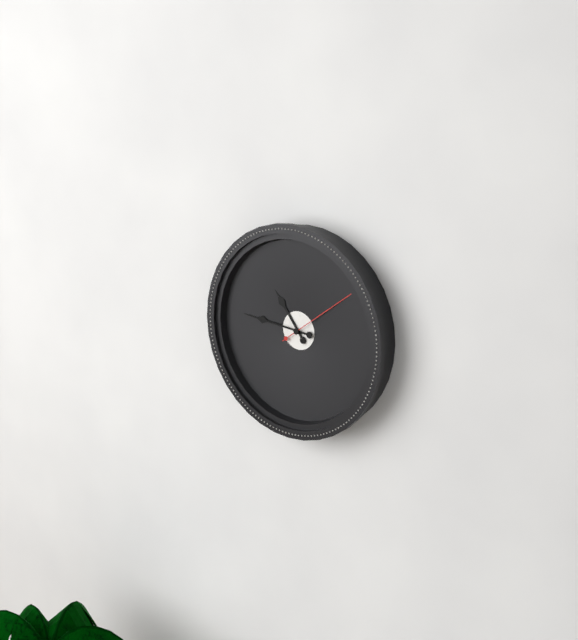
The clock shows **10:46:09**
